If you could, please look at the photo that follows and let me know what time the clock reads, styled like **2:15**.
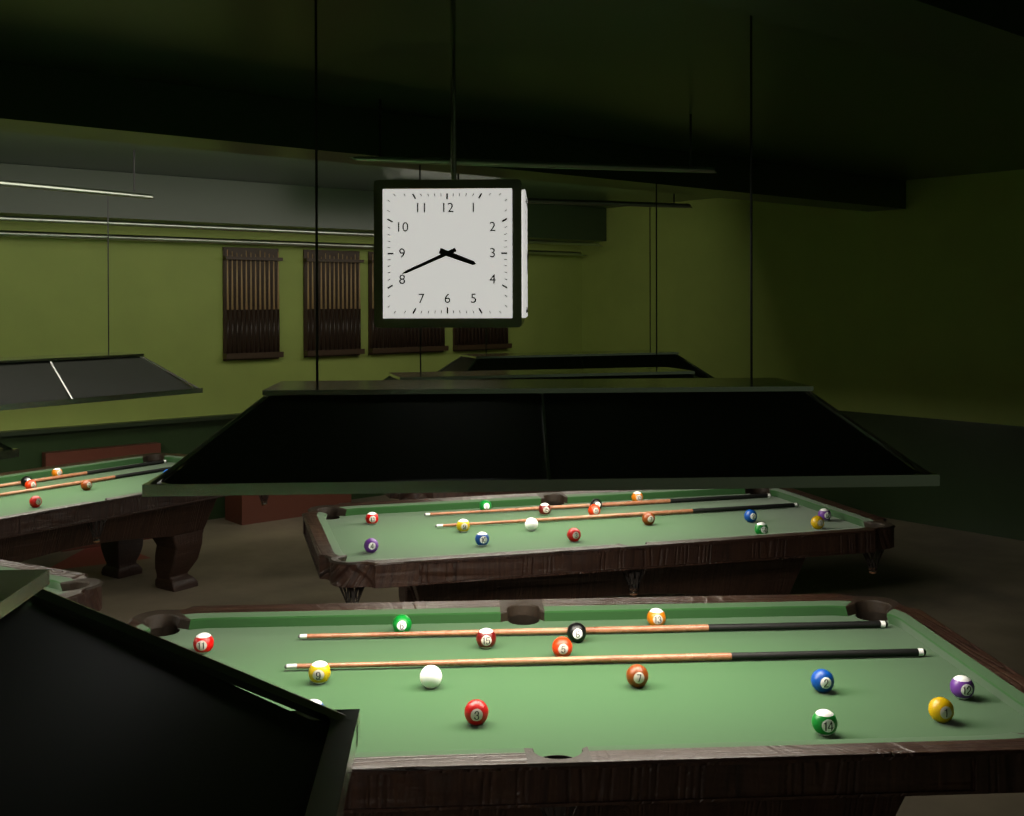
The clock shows **3:41**
